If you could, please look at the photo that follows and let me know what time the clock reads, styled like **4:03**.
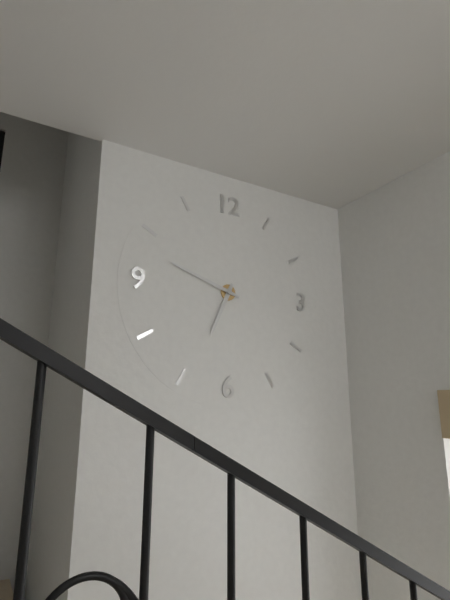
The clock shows **6:48**
